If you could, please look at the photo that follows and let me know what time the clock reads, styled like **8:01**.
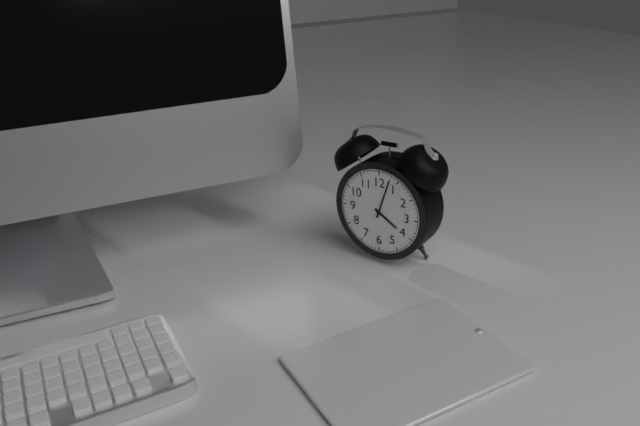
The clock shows **4:03**
